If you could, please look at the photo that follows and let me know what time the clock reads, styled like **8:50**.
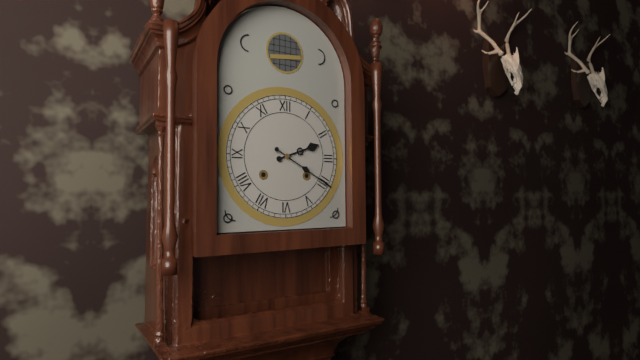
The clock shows **2:20**
